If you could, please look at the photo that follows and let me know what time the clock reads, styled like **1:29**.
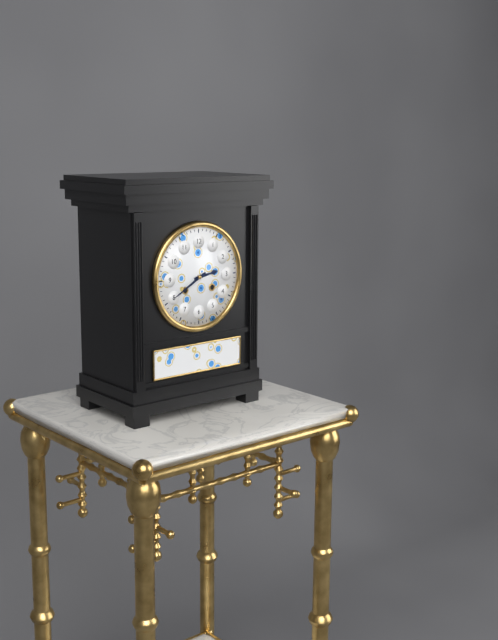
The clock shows **2:40**
